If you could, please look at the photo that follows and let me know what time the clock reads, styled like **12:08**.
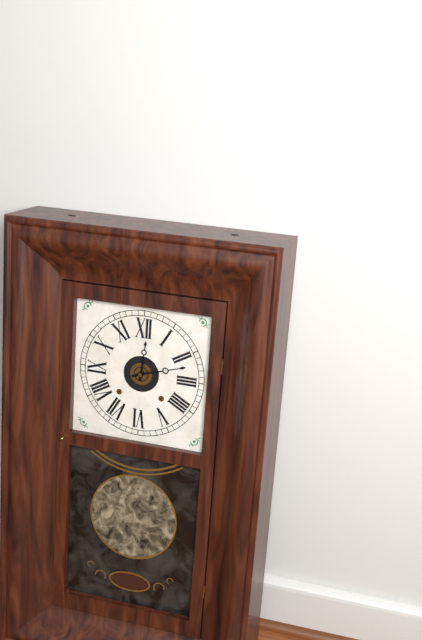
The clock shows **12:12**
